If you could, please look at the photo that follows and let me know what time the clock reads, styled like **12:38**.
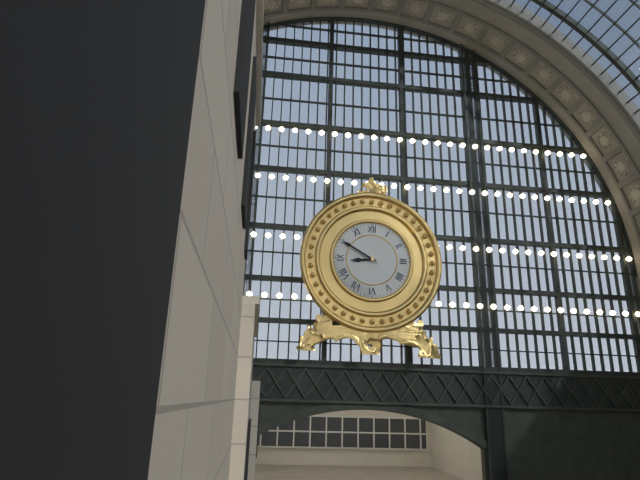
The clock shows **8:50**
